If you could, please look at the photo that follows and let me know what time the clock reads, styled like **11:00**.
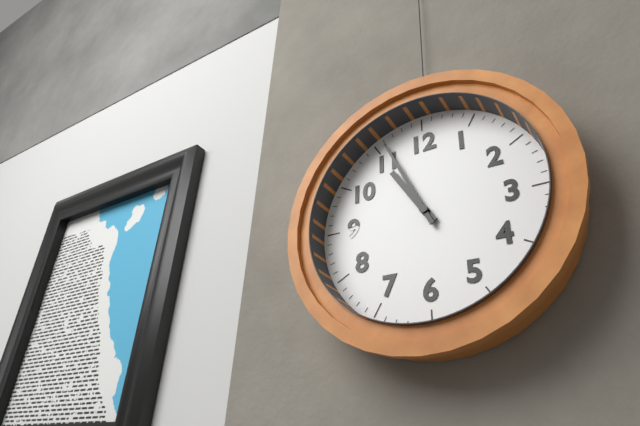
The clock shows **10:56**
